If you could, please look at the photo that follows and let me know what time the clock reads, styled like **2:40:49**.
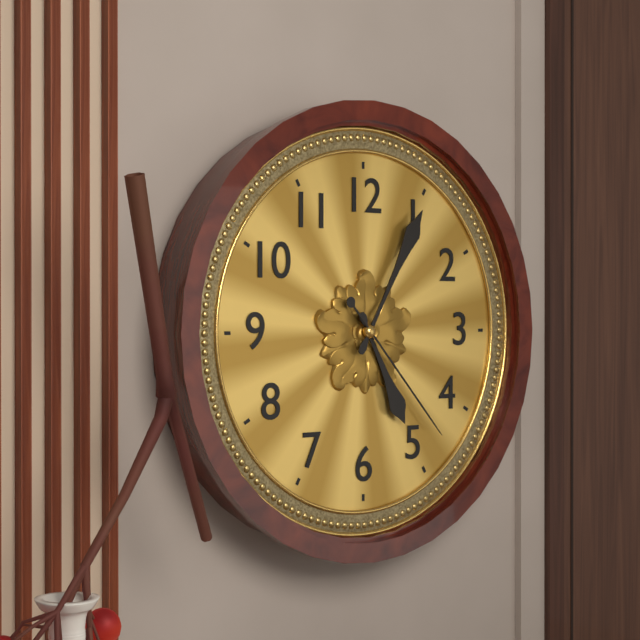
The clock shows **5:05:23**
